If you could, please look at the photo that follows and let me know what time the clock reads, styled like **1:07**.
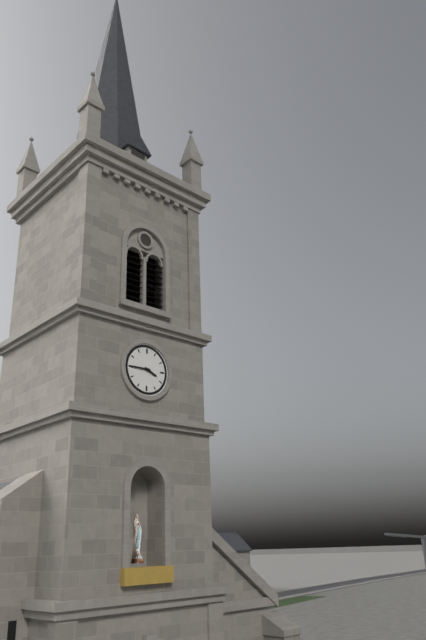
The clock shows **3:45**
